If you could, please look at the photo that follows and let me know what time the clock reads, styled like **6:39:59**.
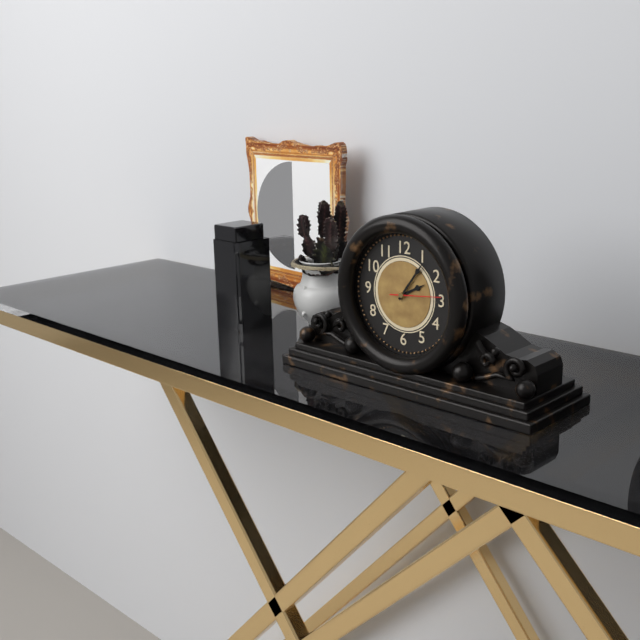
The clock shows **2:06:14**
